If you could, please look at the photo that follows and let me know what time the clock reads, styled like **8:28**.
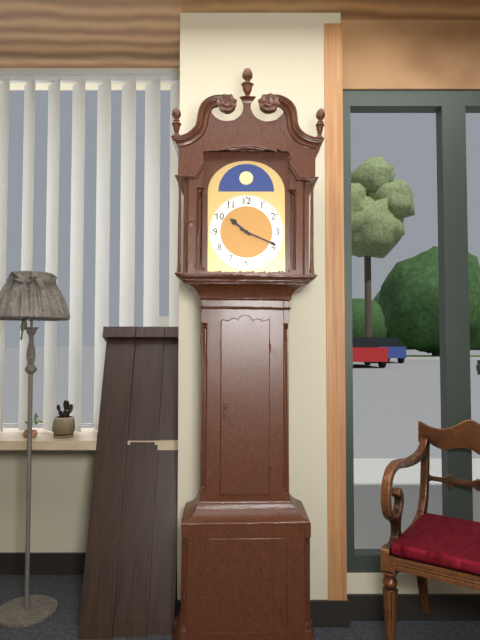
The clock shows **10:19**
